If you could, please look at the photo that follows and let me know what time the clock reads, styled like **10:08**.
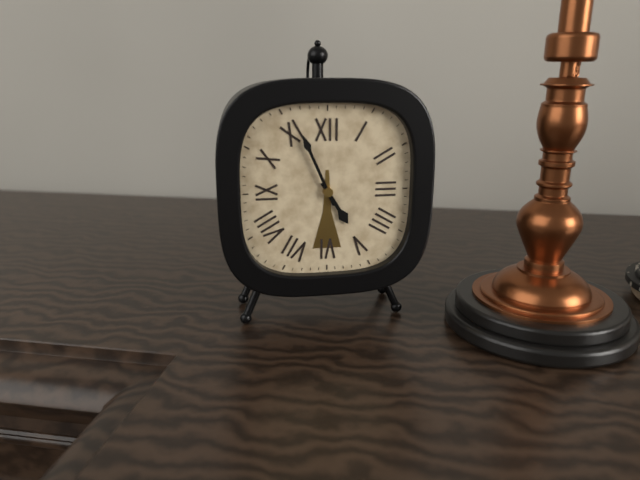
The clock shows **4:56**
